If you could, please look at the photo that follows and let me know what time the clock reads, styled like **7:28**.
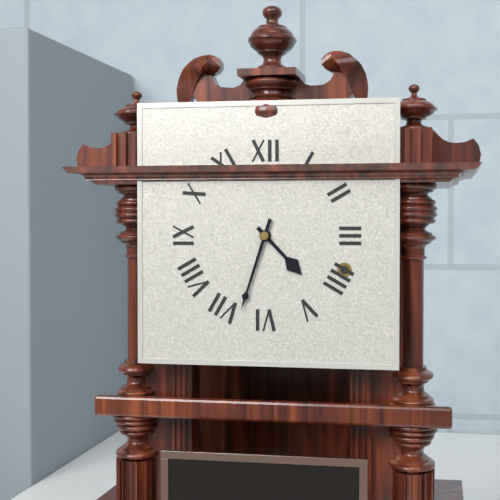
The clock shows **4:33**
